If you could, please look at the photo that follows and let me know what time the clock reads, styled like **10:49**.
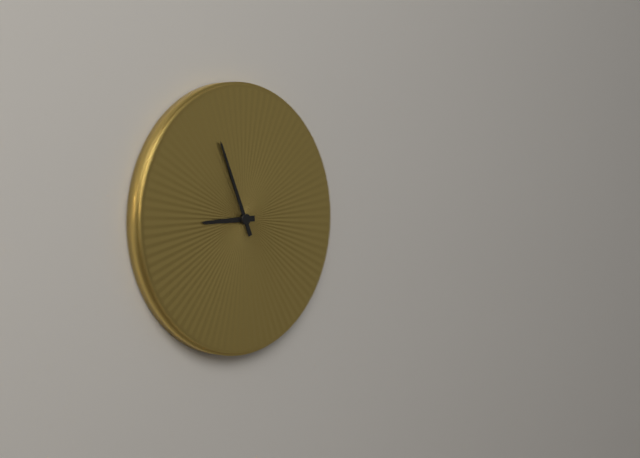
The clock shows **8:56**
